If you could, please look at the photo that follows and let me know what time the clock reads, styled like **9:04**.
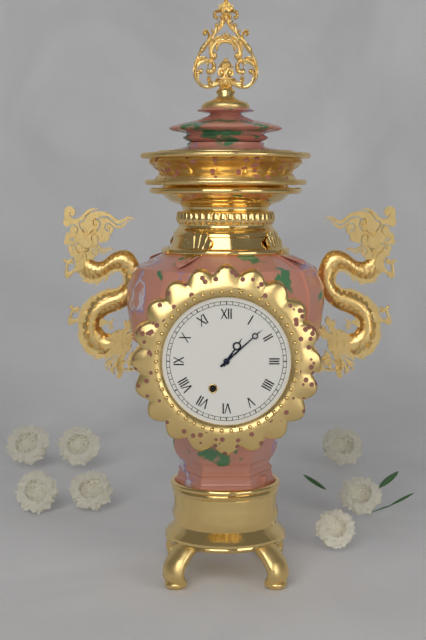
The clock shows **1:08**
